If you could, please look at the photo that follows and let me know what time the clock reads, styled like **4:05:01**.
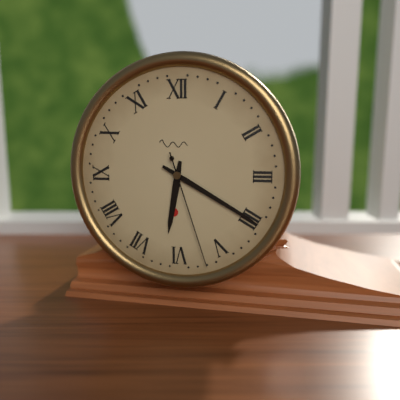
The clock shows **6:20:27**
